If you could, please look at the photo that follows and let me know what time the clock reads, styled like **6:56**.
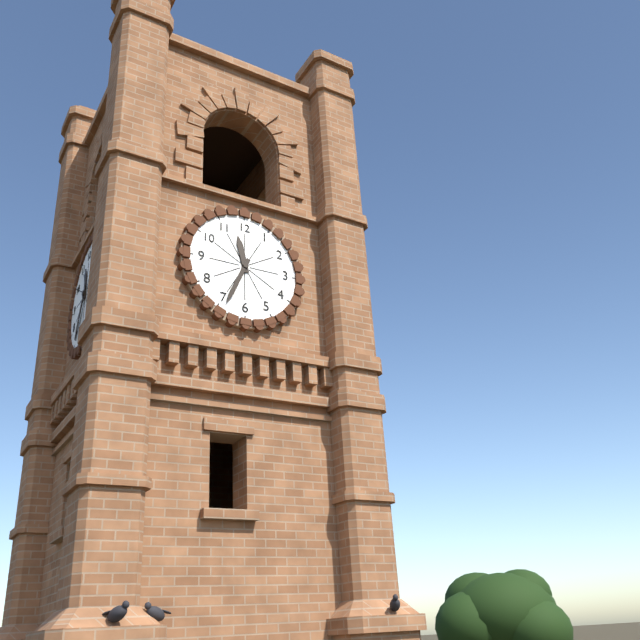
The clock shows **11:34**
